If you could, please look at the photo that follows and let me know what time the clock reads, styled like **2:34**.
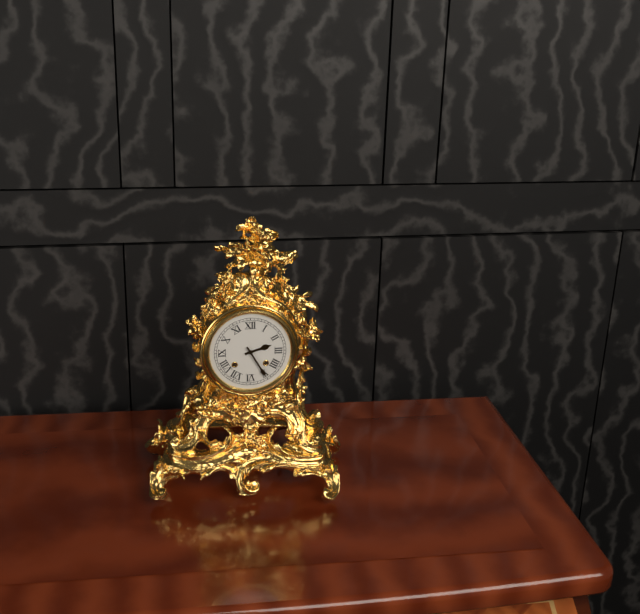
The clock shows **2:25**
